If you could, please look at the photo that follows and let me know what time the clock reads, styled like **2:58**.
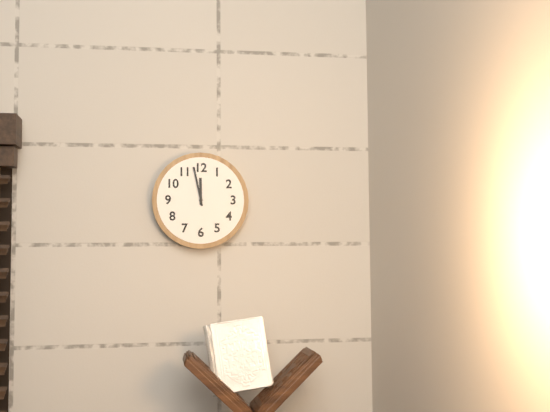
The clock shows **11:58**
